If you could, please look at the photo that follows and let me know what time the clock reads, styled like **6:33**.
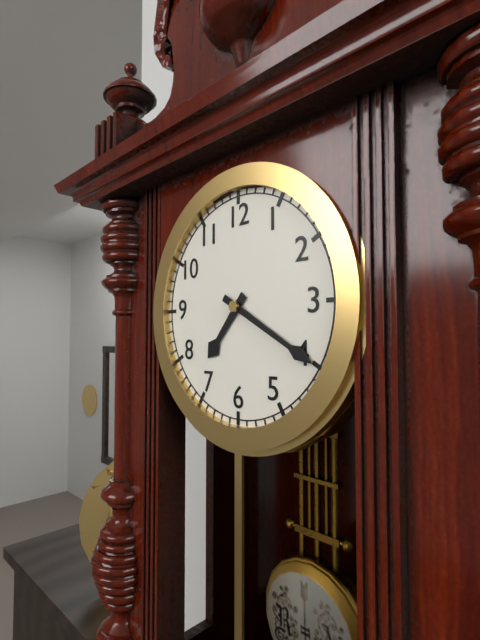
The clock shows **7:20**
